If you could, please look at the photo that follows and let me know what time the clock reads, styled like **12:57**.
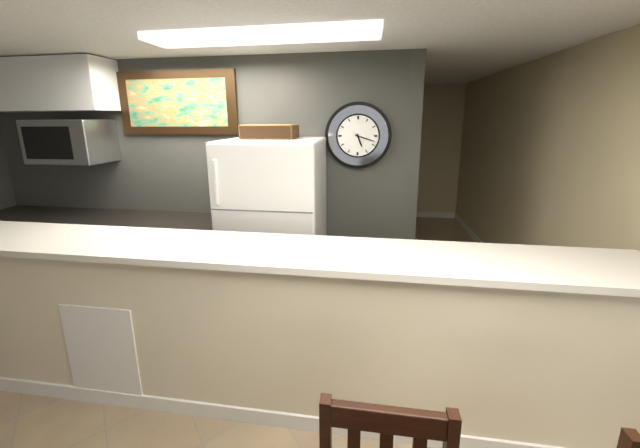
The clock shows **5:18**
